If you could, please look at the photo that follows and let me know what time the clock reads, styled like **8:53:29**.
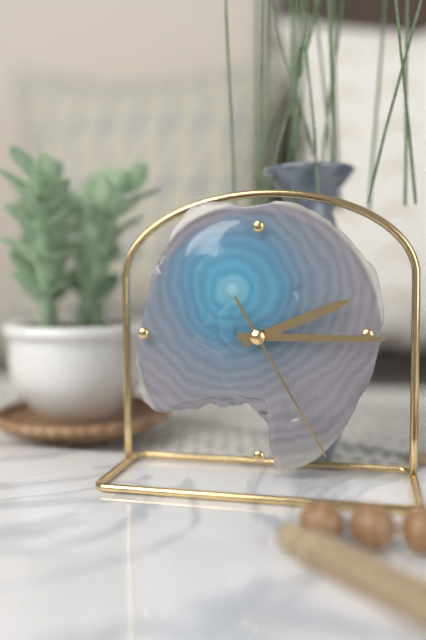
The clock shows **2:15:25**
